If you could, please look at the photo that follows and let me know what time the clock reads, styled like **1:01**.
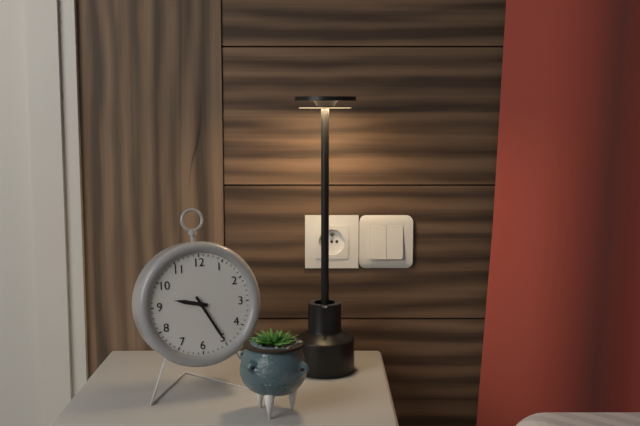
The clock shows **9:25**
